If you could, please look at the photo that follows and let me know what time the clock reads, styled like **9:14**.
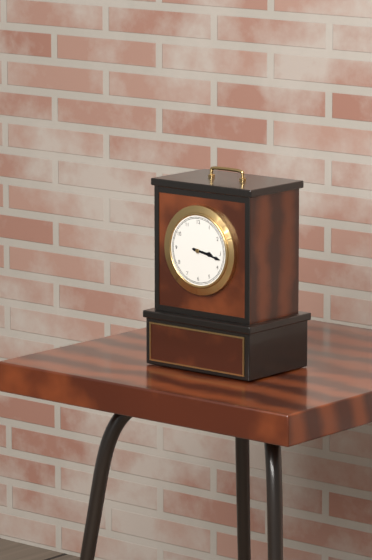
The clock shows **3:17**
